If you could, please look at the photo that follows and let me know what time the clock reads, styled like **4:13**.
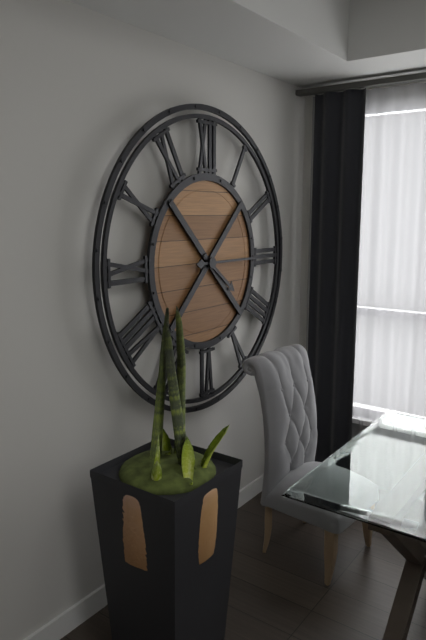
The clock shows **4:15**
